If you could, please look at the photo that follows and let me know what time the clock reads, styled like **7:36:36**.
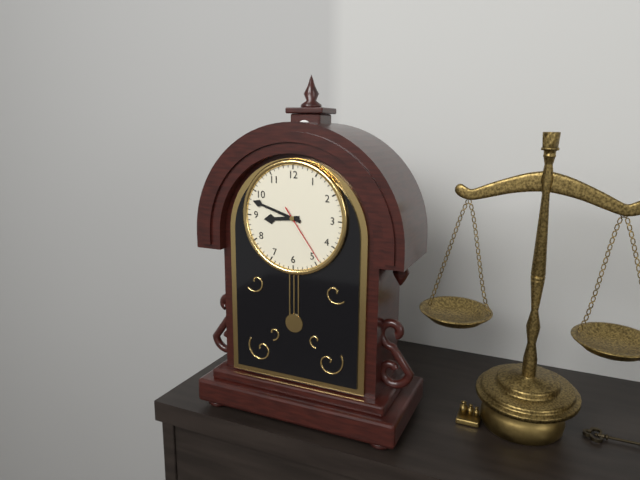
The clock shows **8:48:24**
